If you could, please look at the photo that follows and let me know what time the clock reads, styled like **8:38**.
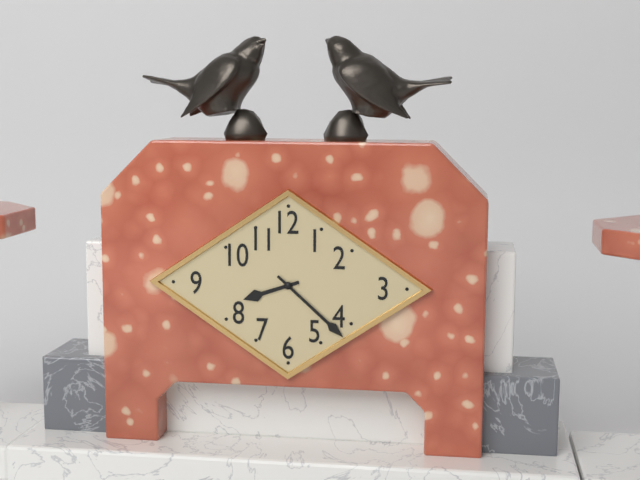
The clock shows **8:22**
